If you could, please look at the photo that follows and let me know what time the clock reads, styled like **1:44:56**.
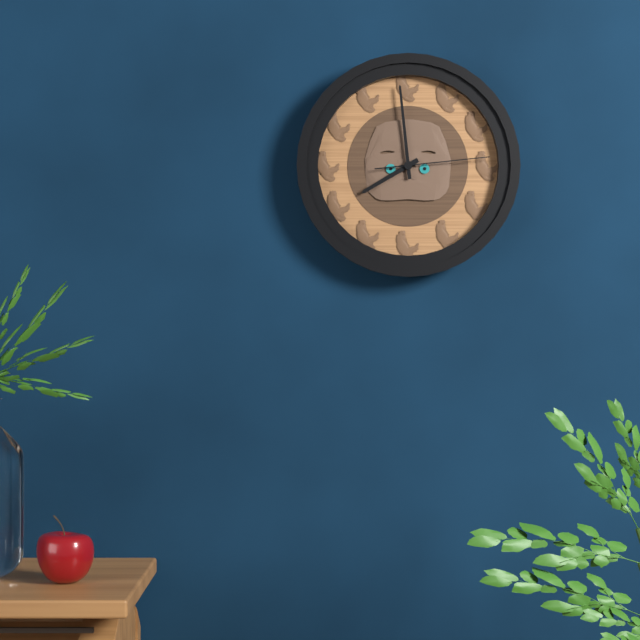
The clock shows **7:59:14**
